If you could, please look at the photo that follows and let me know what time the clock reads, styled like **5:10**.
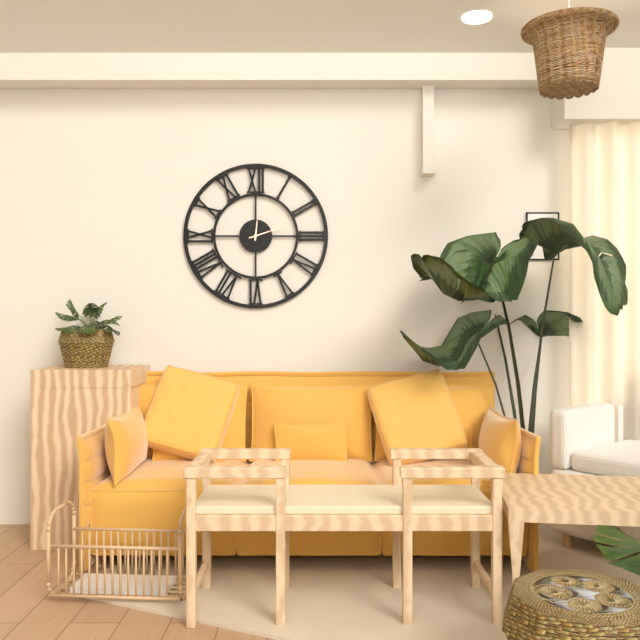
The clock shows **12:12**
